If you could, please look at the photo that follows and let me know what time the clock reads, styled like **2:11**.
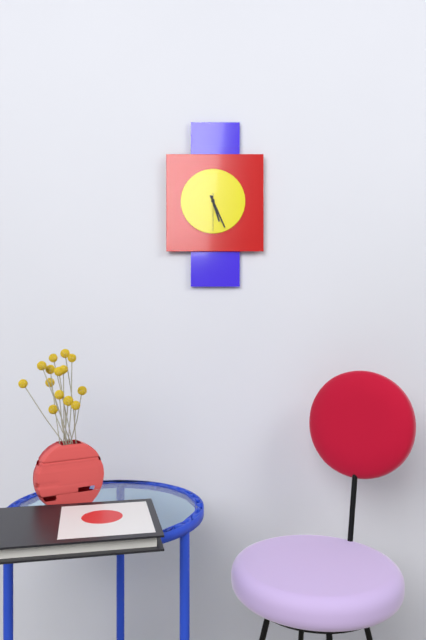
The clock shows **5:26**
